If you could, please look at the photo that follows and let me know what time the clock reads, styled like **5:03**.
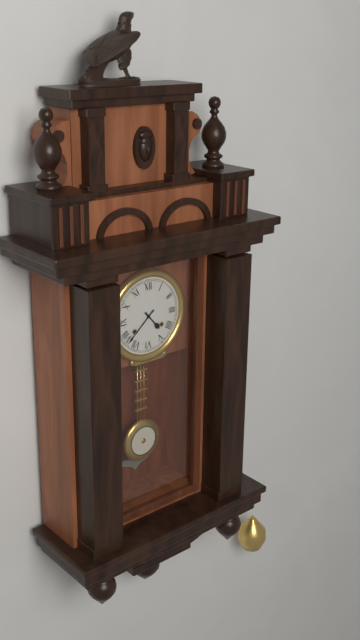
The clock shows **4:38**
